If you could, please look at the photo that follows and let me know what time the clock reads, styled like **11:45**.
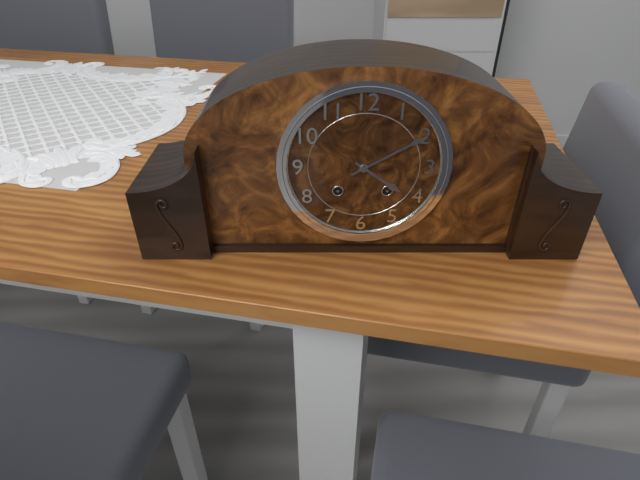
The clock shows **4:10**
